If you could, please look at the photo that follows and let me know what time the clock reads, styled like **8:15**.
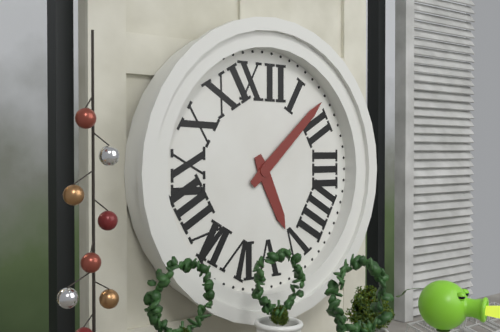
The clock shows **5:08**
